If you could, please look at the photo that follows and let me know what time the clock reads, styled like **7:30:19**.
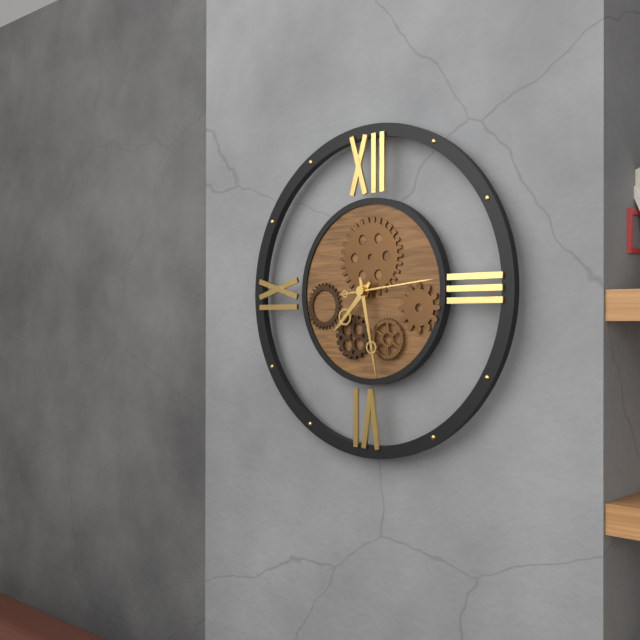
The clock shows **7:28:14**
